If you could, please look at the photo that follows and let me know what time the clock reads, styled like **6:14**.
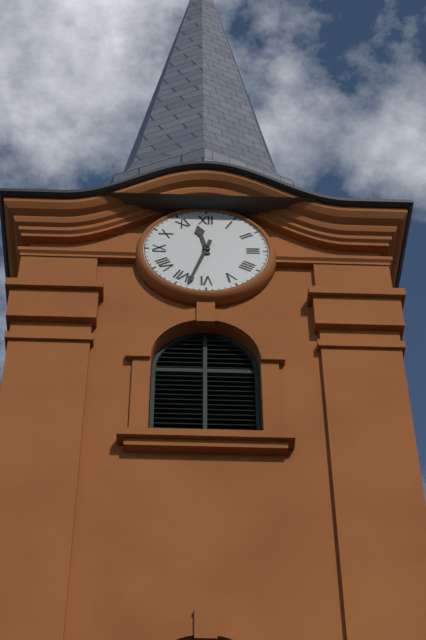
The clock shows **11:33**
